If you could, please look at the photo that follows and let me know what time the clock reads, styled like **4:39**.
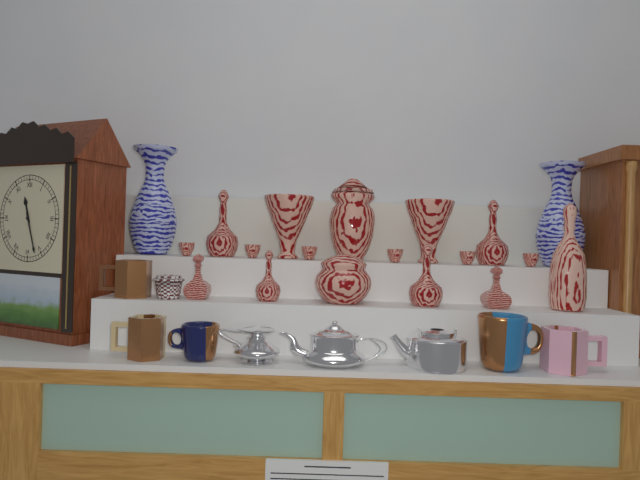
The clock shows **11:27**
